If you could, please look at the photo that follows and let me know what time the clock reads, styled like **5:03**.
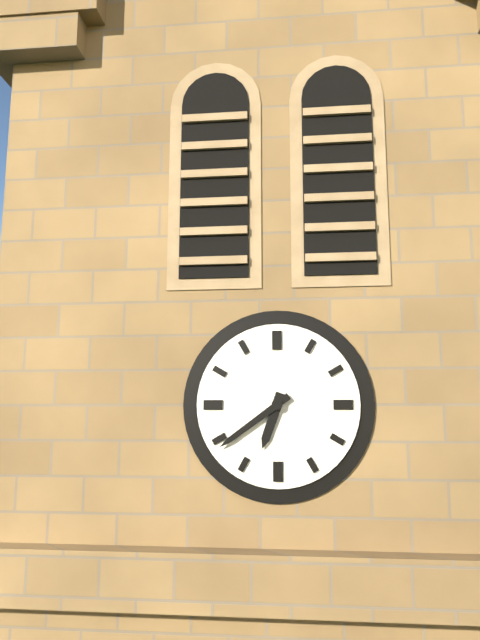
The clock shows **6:39**
